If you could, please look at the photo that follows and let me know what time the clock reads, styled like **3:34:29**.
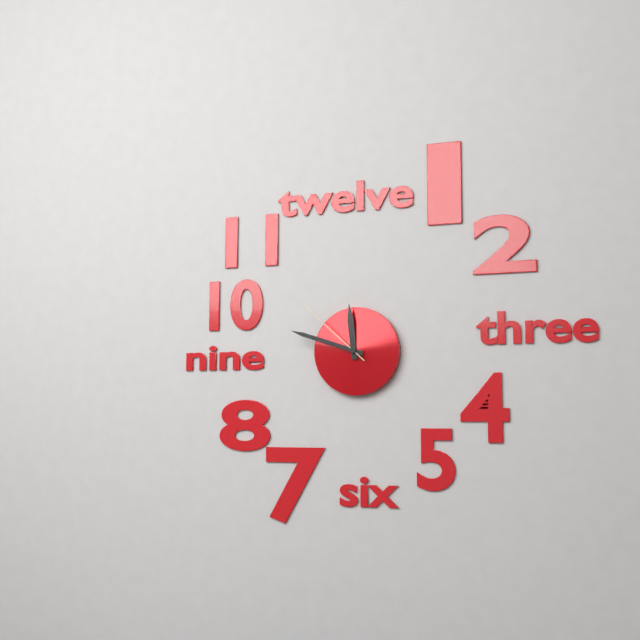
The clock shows **11:48:52**
